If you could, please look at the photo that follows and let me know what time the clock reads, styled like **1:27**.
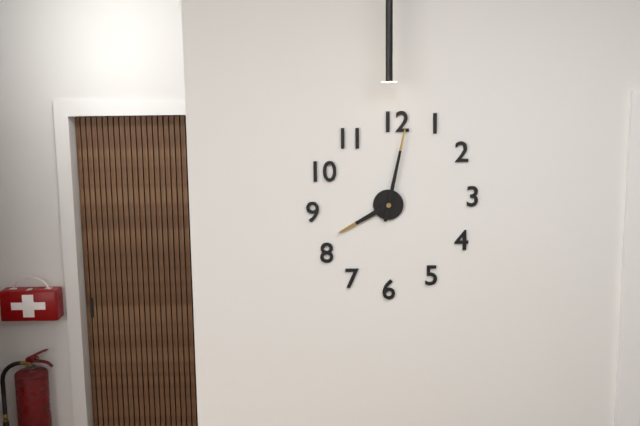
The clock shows **8:02**
